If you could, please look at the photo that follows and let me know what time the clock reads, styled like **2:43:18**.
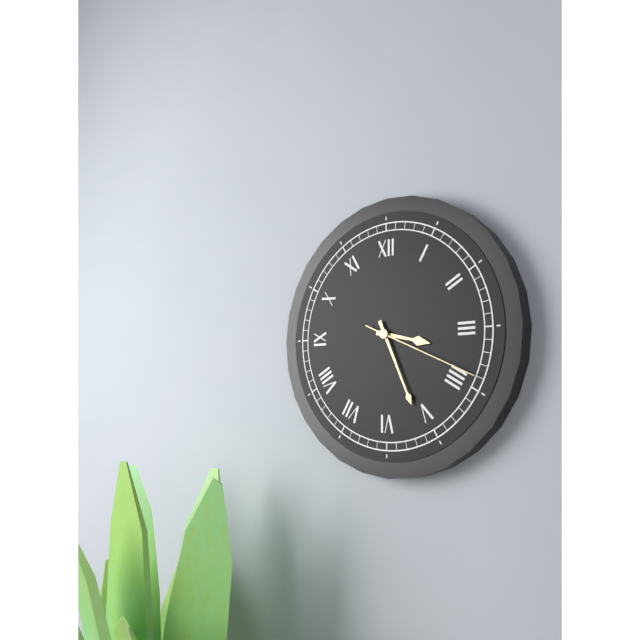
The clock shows **3:26:19**
